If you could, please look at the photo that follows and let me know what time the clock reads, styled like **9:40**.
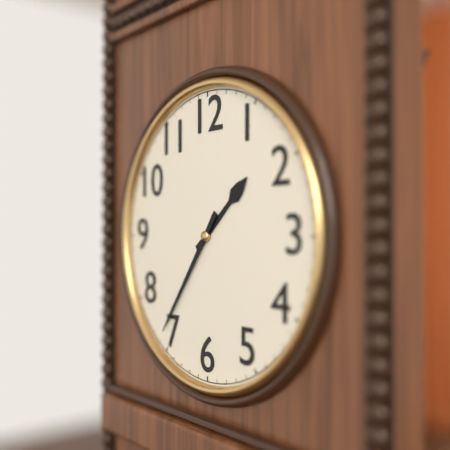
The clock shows **1:36**
